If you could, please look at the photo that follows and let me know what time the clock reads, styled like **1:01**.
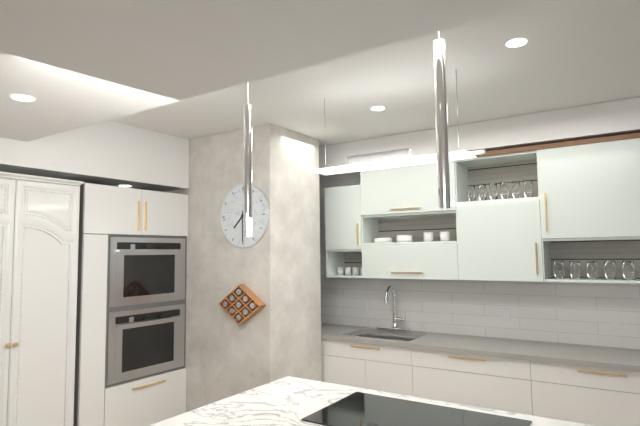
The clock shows **7:30**
